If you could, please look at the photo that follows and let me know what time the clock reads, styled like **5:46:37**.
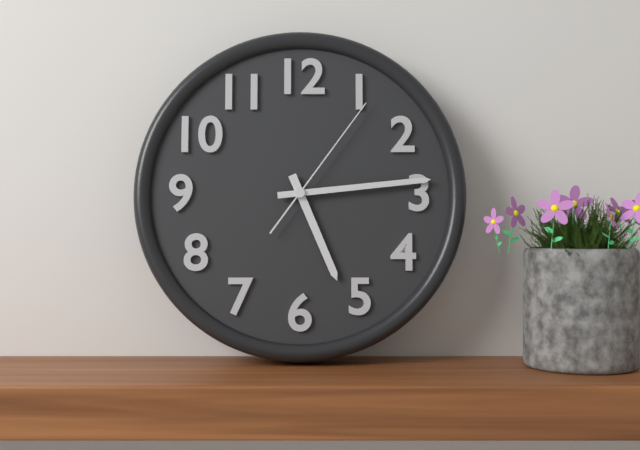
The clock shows **5:14:06**
